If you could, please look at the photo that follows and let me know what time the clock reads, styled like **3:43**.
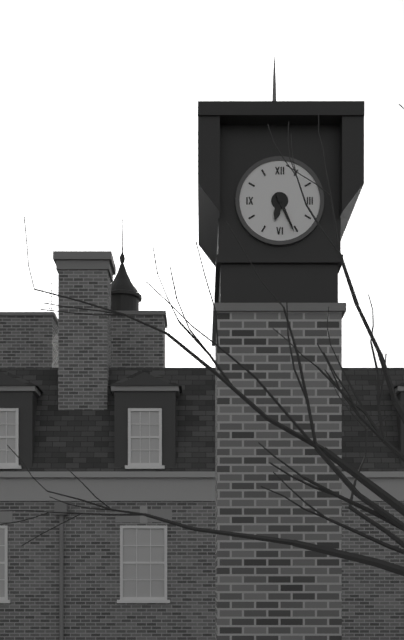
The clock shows **6:26**
